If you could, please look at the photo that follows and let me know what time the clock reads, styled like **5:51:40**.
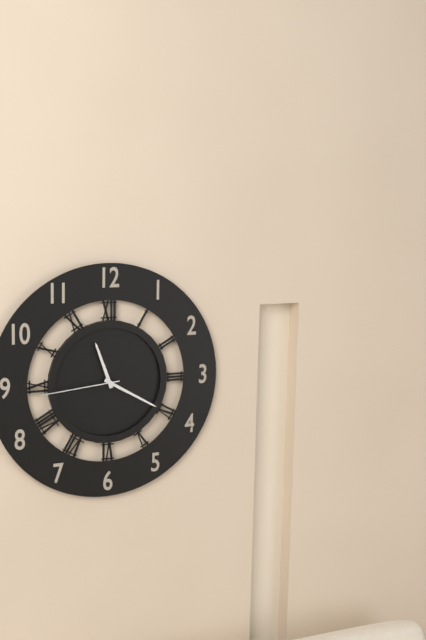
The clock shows **11:20:44**
